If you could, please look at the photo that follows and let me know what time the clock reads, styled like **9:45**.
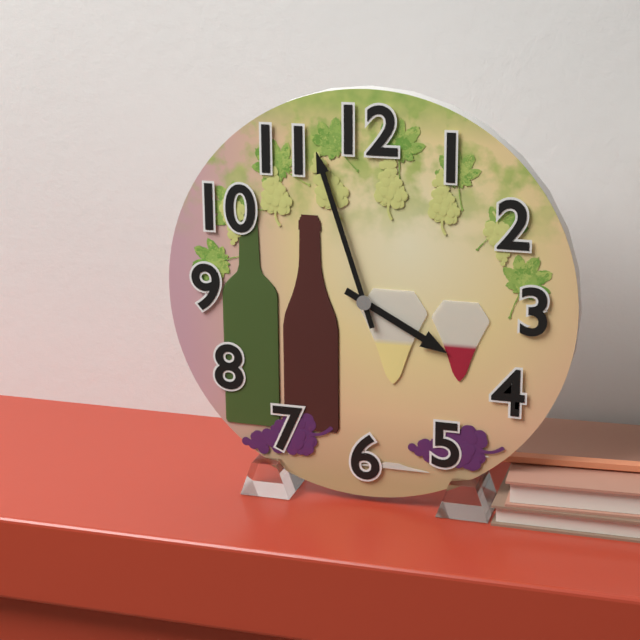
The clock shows **3:57**
